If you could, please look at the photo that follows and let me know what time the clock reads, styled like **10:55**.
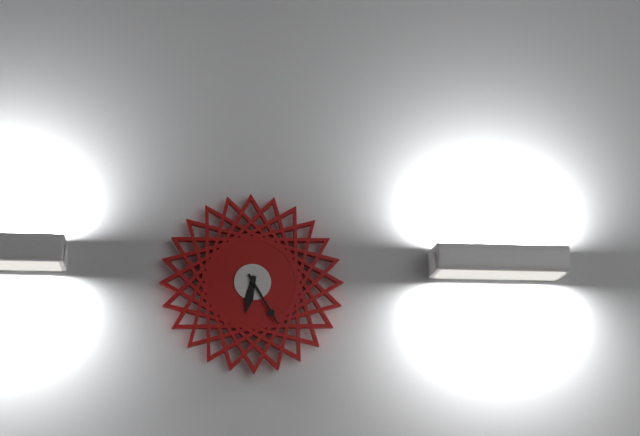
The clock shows **6:25**
